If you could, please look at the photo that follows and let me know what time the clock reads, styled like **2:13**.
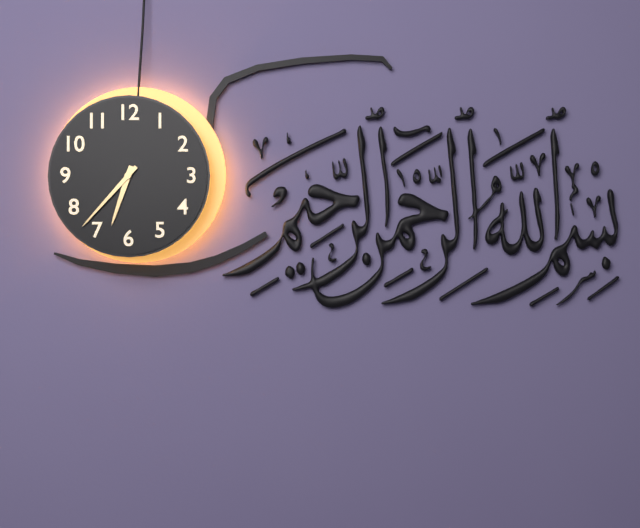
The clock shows **6:37**
